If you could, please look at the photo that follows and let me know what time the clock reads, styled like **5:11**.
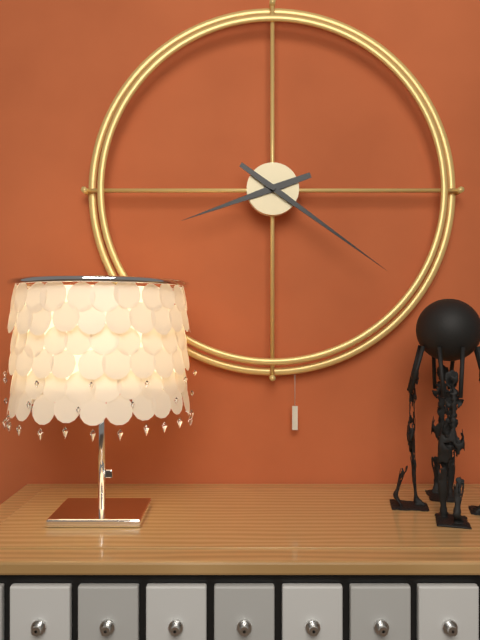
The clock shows **8:21**
